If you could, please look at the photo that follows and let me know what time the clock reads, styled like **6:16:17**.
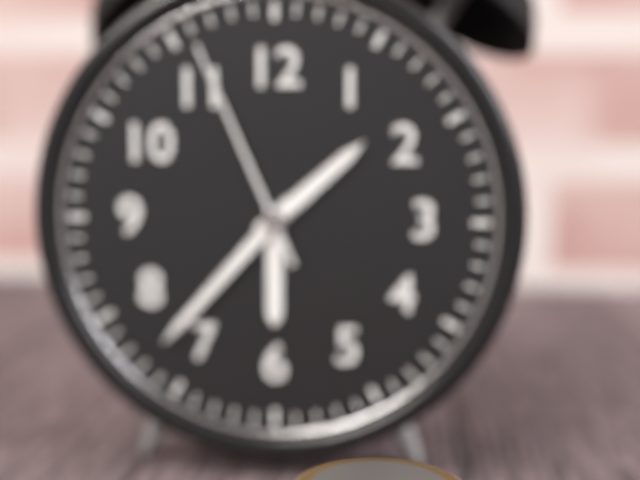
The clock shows **1:37:56**
